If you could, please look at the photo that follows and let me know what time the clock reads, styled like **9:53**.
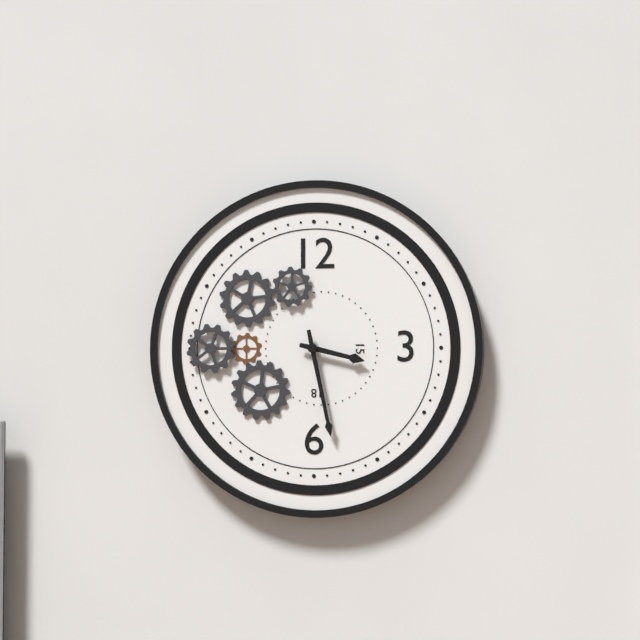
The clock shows **3:28**
